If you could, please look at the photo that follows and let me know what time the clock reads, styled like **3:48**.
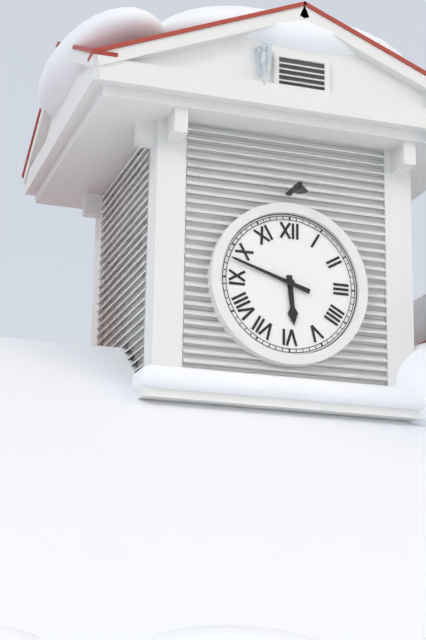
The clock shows **5:48**
